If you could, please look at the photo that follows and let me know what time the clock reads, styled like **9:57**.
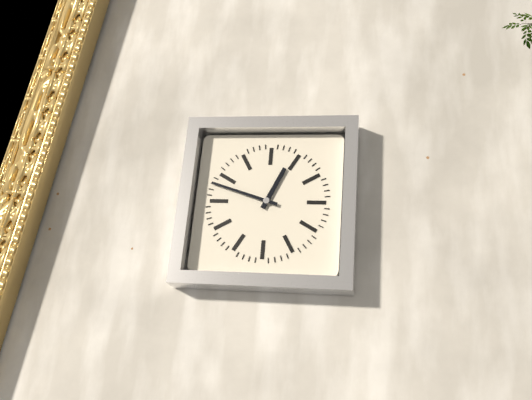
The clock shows **12:48**
